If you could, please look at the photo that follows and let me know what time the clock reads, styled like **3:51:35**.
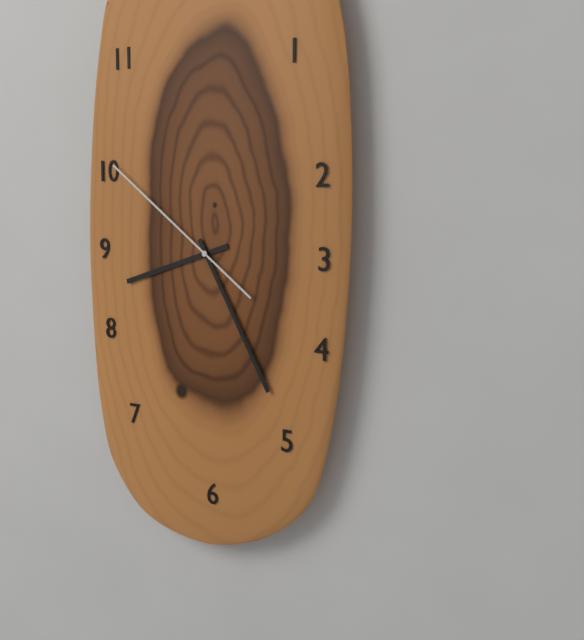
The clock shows **8:25:51**
